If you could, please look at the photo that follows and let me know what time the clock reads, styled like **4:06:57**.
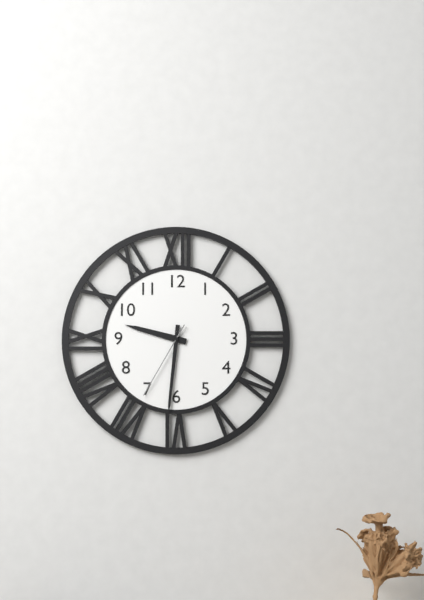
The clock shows **9:31:35**
